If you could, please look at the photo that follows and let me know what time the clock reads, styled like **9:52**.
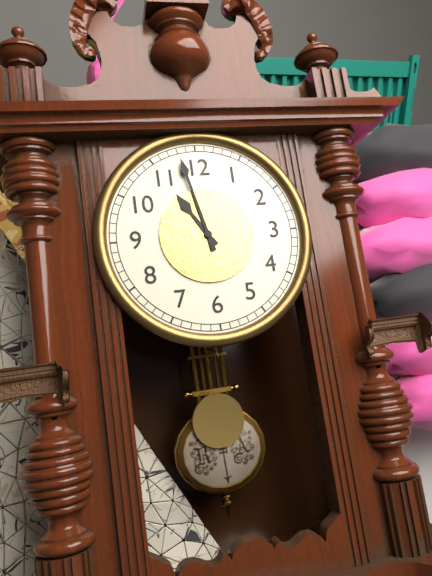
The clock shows **10:58**
